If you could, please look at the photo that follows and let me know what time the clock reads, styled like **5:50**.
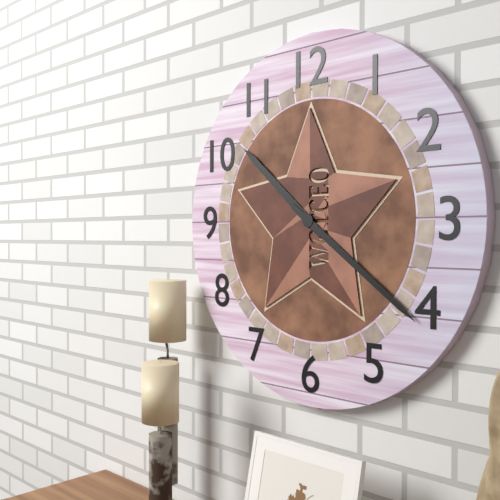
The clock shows **10:21**
